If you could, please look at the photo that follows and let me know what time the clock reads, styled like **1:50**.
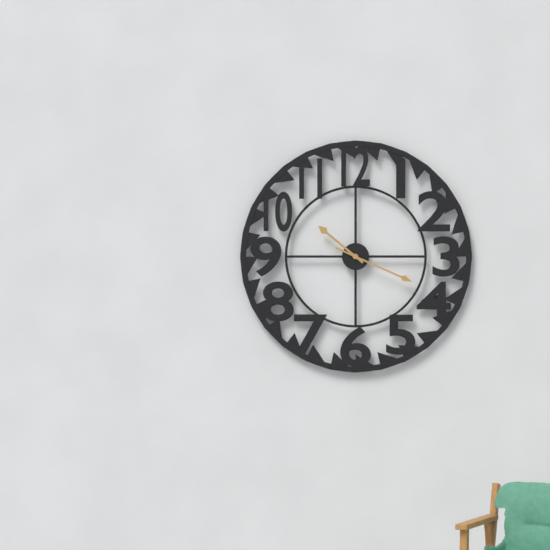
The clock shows **10:19**
